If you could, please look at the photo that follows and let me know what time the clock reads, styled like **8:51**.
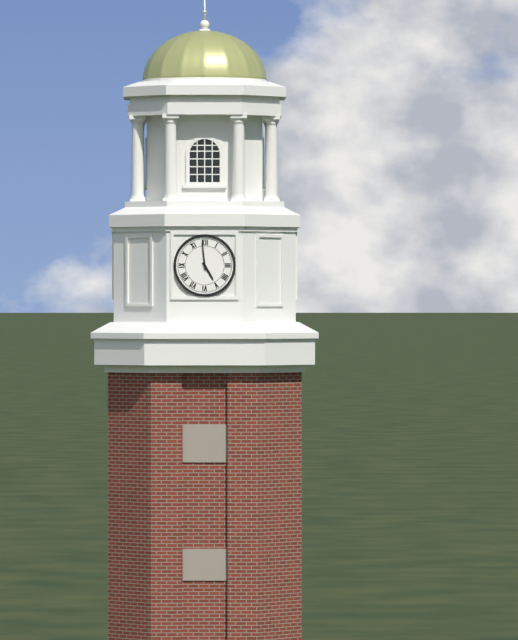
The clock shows **4:59**
